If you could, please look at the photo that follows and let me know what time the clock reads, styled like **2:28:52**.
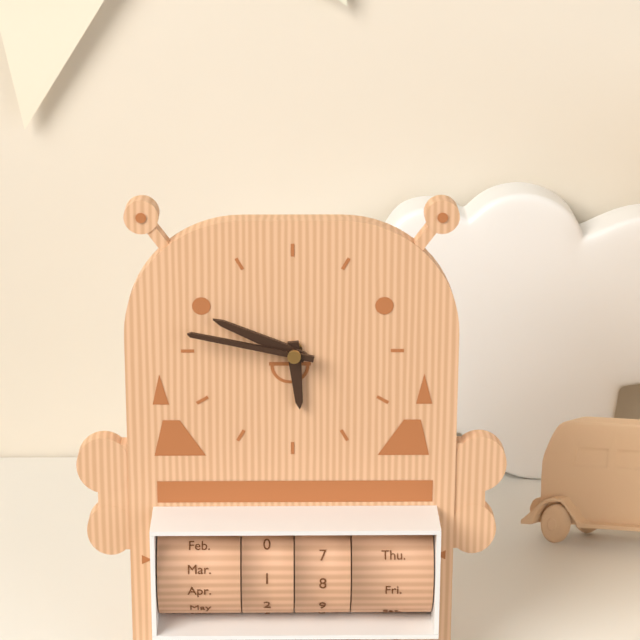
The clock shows **5:49:47**
